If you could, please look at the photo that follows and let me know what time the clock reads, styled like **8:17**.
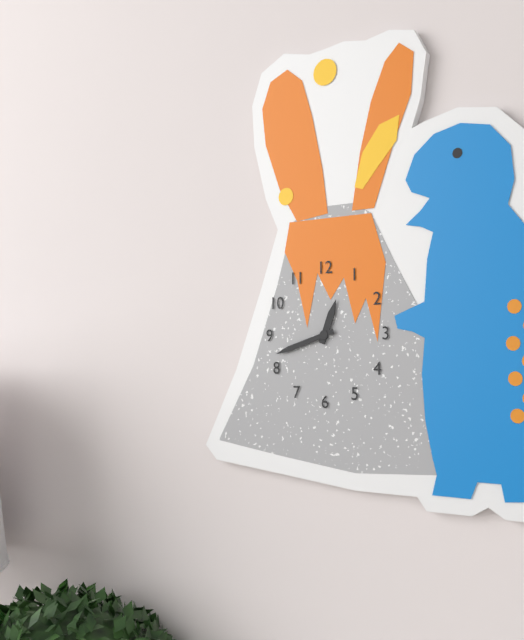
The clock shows **12:42**
